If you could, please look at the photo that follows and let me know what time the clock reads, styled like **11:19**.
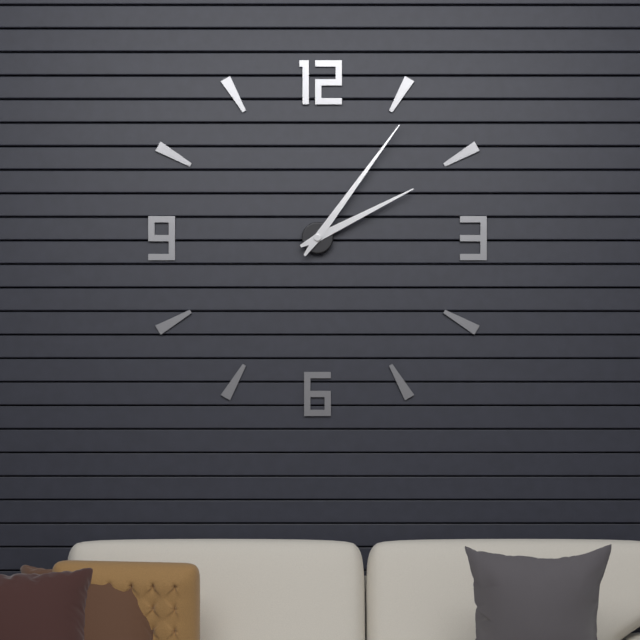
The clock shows **2:06**
